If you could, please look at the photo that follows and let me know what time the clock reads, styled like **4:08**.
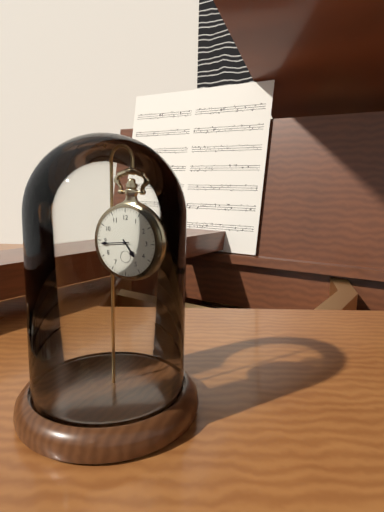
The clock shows **4:44**
